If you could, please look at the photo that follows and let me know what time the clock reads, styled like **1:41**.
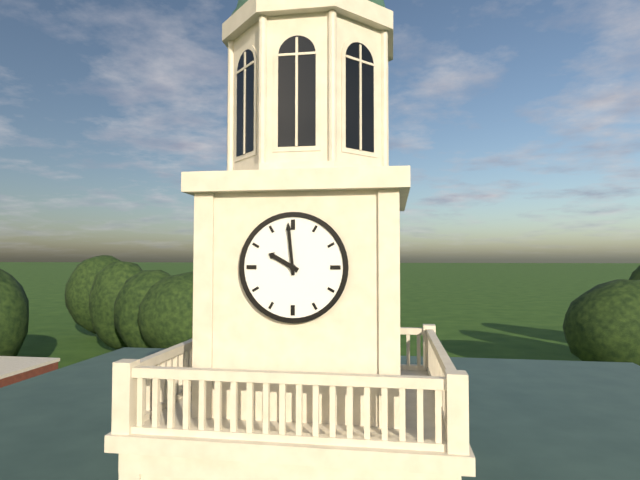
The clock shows **9:59**
